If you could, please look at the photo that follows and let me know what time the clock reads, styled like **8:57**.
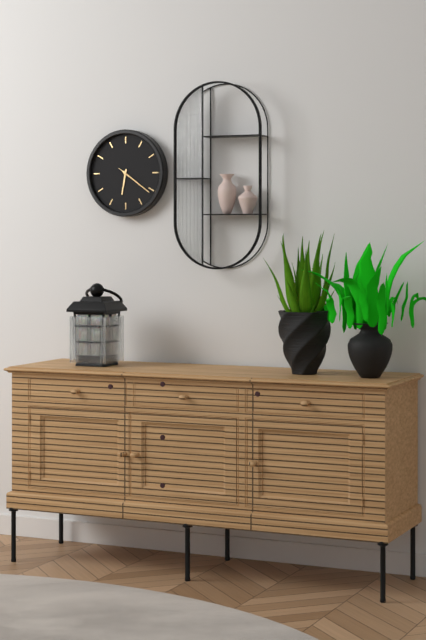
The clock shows **6:21**
